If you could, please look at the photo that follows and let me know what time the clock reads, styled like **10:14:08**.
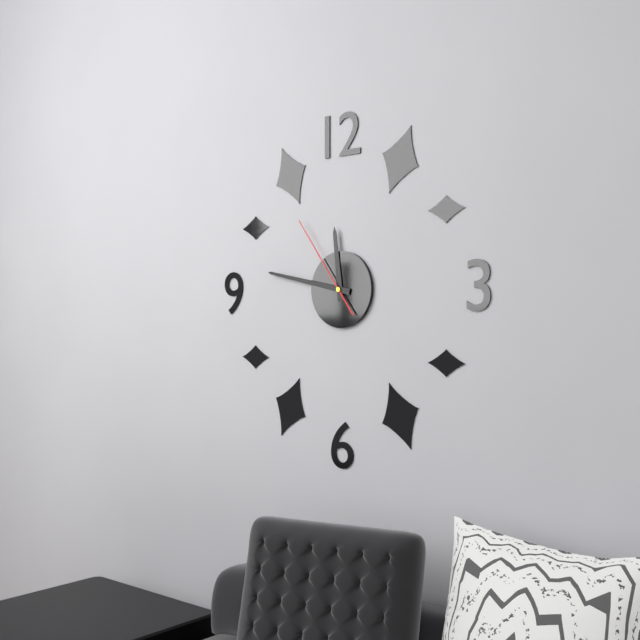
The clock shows **11:47:54**
